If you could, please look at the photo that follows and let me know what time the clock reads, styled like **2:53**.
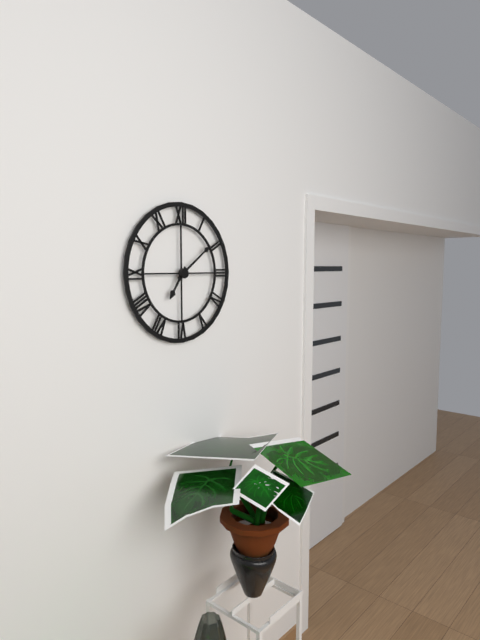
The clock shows **7:09**
